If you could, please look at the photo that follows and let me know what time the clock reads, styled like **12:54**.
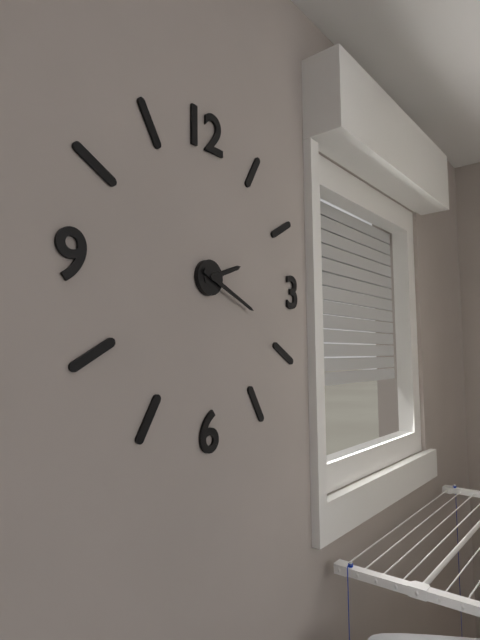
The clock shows **2:19**
